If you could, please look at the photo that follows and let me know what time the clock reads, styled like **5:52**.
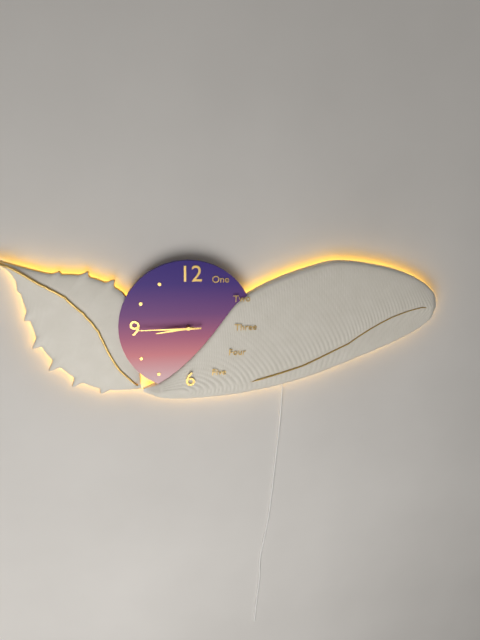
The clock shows **8:45**
